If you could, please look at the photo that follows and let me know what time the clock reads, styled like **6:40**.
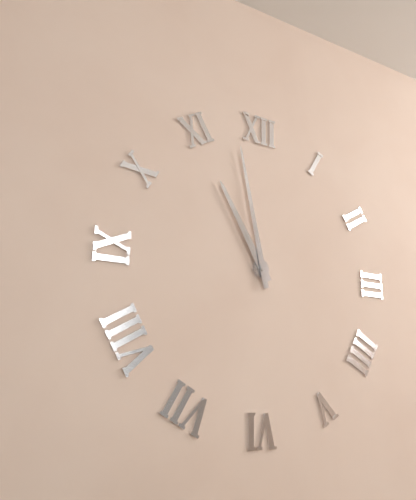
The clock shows **10:58**
